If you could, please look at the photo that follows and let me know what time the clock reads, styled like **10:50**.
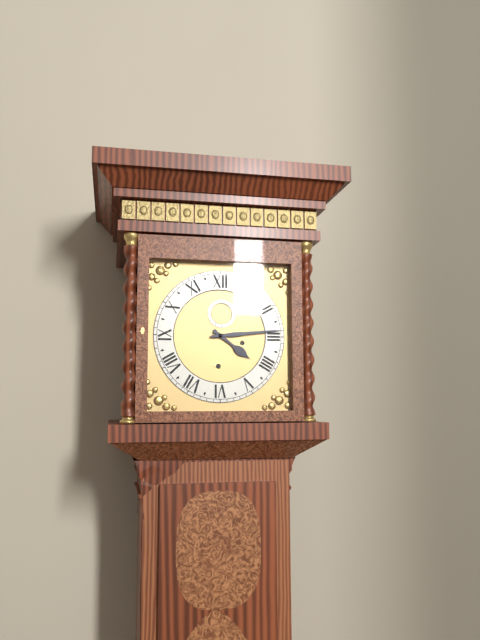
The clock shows **4:14**
